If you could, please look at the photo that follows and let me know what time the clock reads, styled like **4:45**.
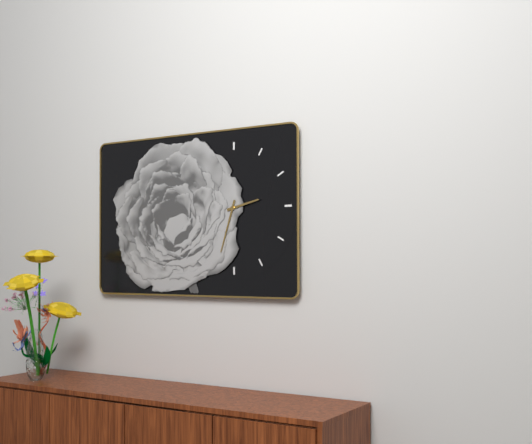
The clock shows **2:33**
